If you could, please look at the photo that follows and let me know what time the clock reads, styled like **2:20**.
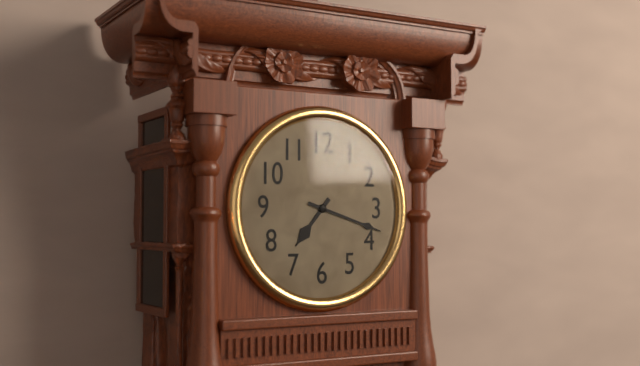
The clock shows **7:18**
